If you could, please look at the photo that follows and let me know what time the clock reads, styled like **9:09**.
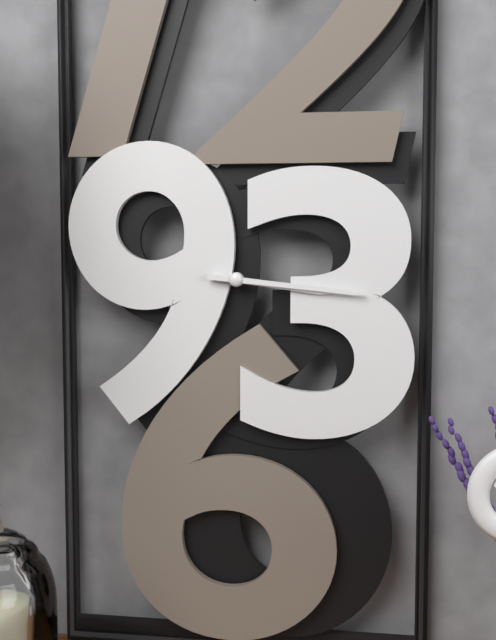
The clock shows **3:16**
